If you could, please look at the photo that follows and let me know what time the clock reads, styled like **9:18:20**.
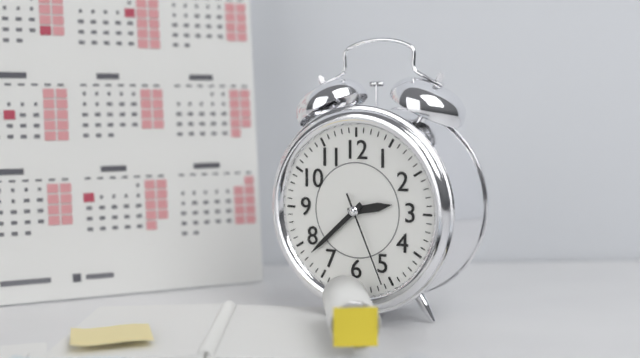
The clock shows **2:38:26**
